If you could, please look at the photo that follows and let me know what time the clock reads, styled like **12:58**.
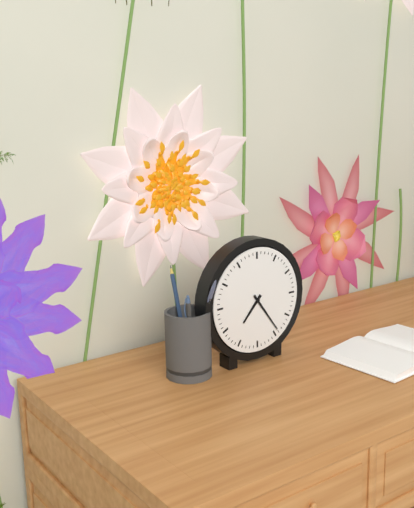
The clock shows **7:24**
